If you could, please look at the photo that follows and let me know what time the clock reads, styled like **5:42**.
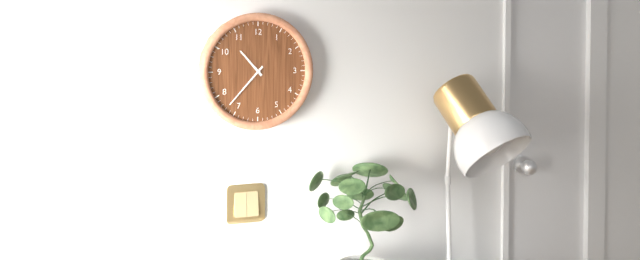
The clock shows **10:37**
